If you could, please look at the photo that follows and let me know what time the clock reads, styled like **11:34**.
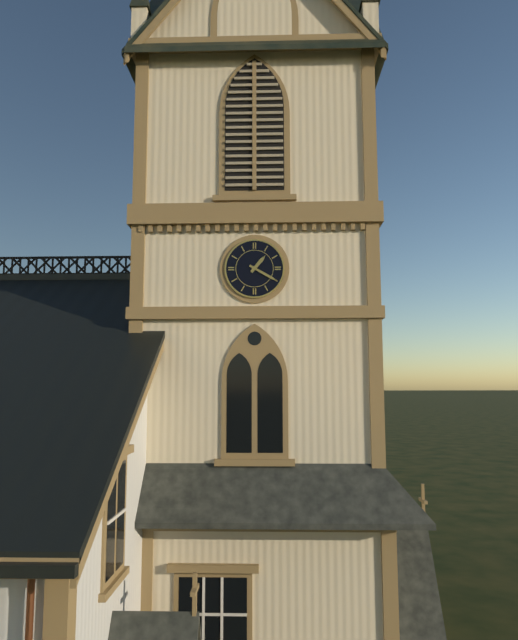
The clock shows **1:20**
